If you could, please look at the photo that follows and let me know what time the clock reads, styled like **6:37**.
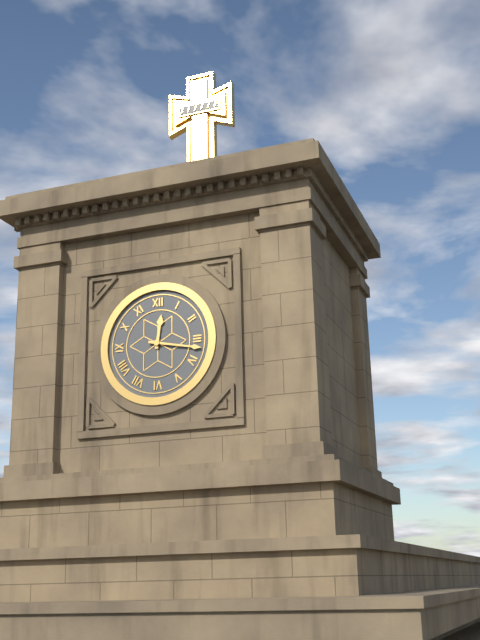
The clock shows **12:17**
